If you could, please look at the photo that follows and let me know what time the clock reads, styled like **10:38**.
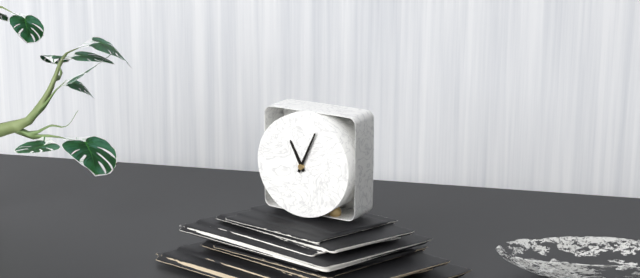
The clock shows **11:04**
